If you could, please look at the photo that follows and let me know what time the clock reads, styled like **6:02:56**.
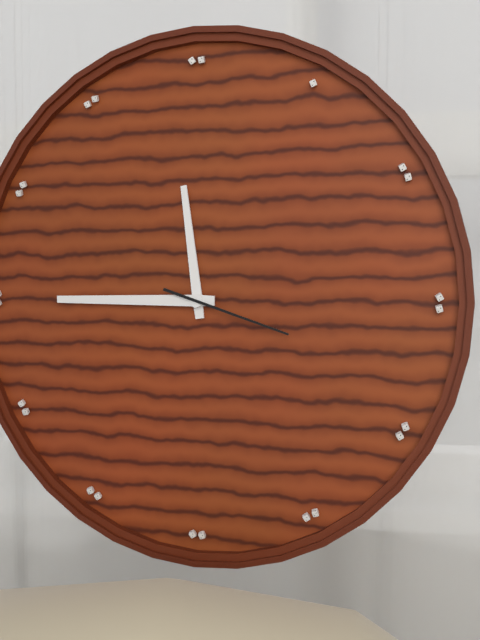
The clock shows **11:45:18**
